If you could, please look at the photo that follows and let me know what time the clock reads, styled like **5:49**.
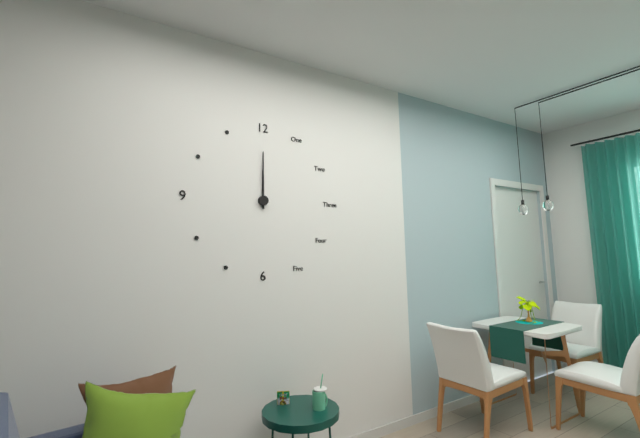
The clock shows **12:00**
